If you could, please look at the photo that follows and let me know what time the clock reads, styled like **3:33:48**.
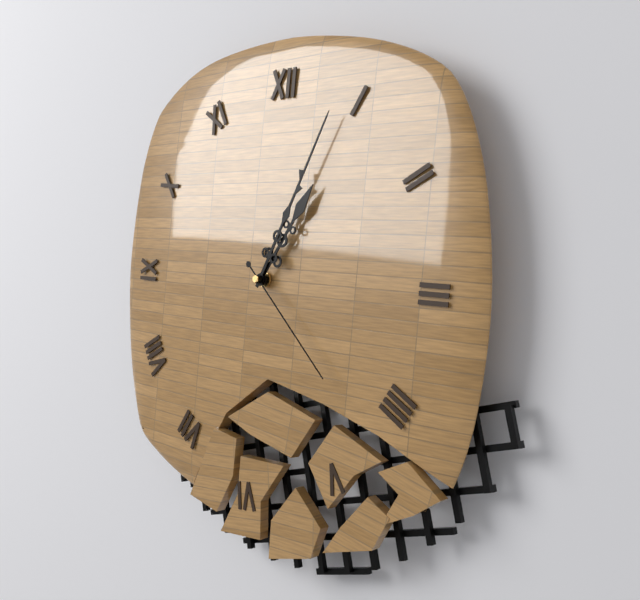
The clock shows **1:04:22**
